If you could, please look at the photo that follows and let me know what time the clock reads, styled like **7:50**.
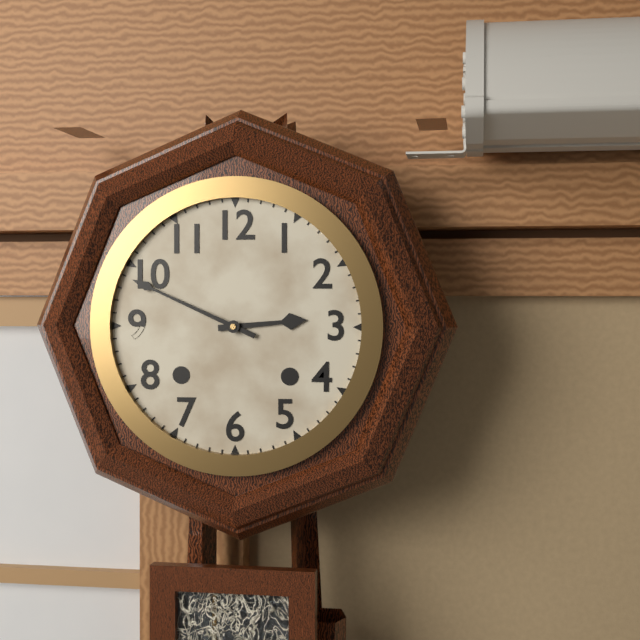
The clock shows **2:49**
